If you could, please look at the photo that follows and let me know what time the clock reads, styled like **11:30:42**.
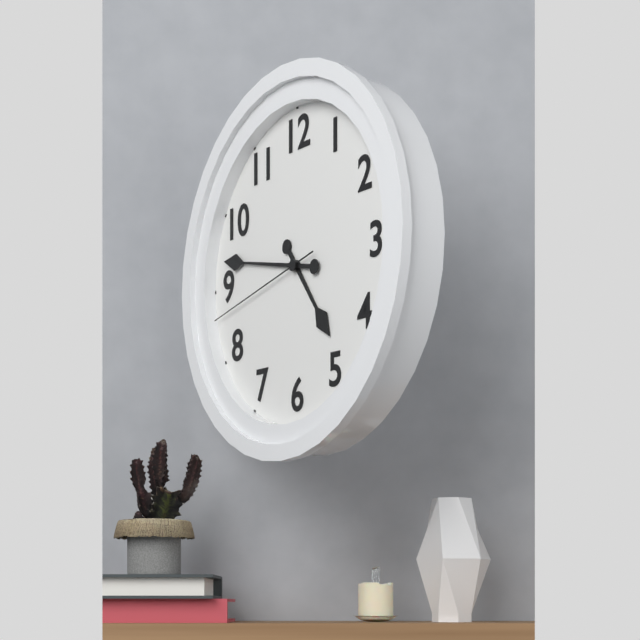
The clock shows **4:47:43**
